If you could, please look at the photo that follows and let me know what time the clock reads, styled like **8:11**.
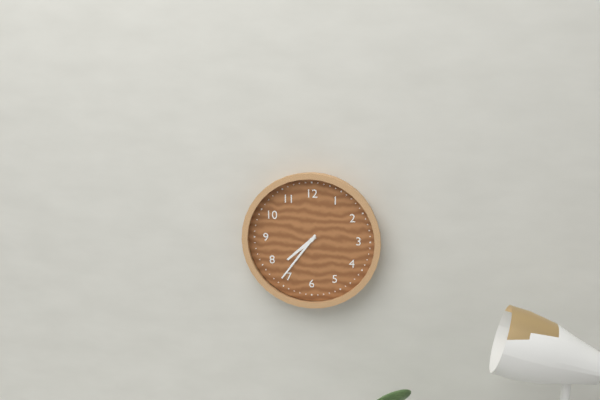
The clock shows **7:36**
